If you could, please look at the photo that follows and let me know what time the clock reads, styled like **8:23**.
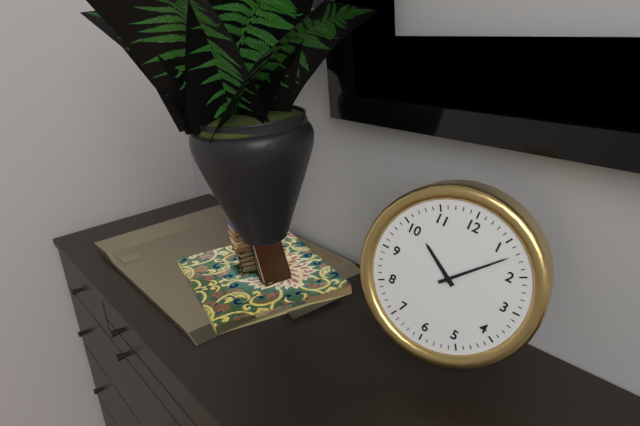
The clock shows **10:07**
